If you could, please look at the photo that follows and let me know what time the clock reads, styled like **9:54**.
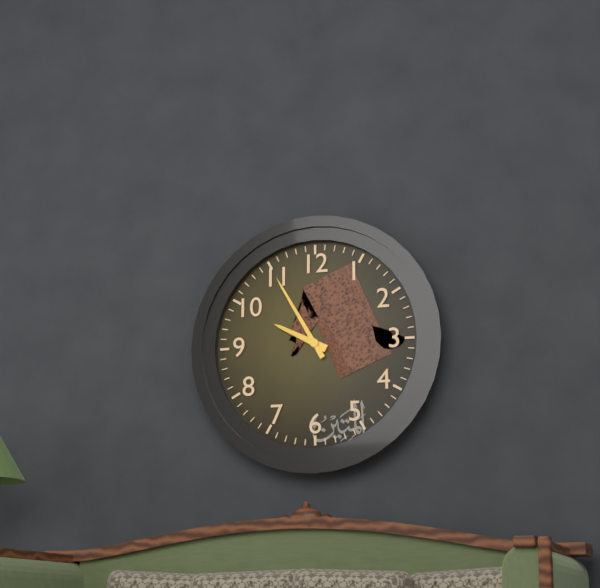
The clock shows **9:55**
